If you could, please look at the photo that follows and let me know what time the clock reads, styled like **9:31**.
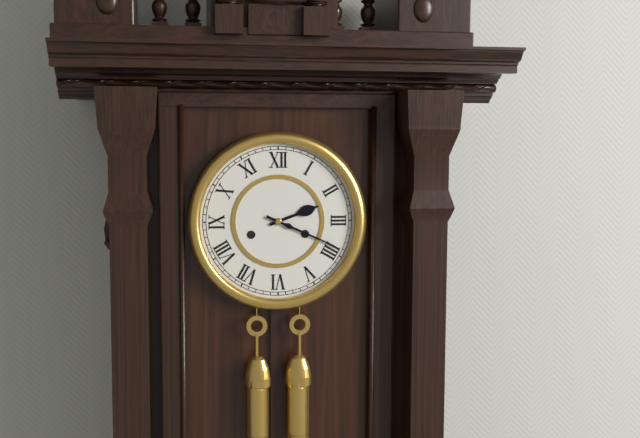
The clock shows **2:19**
